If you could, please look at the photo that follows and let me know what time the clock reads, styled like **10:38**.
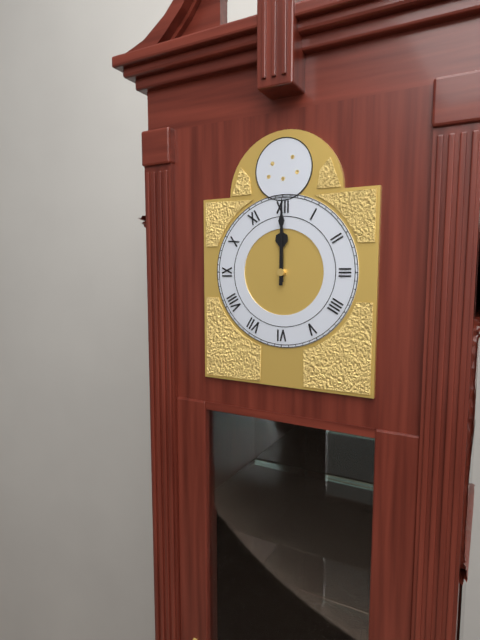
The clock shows **12:00**
